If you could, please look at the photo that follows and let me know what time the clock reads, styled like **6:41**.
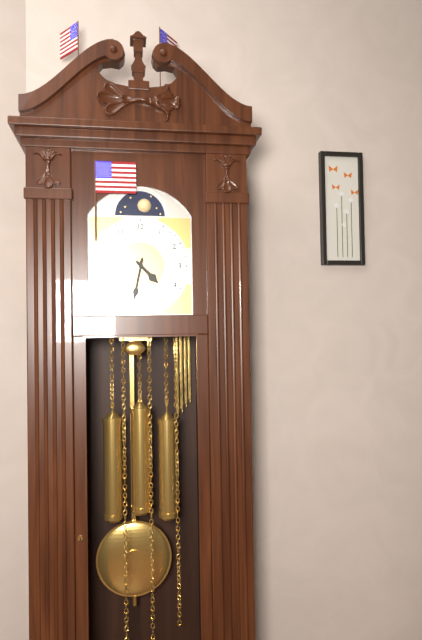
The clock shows **4:32**
